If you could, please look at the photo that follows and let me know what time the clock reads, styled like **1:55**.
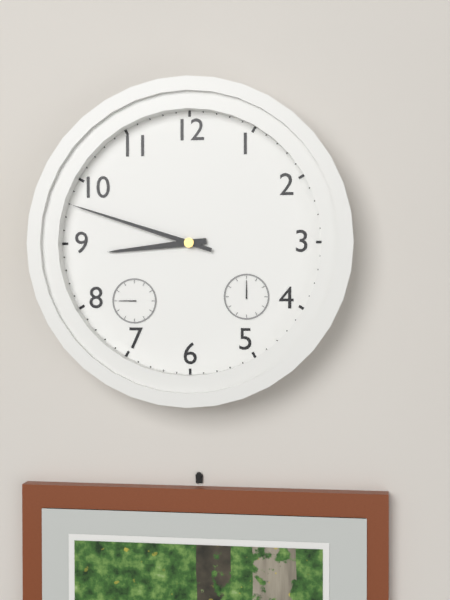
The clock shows **8:48**
